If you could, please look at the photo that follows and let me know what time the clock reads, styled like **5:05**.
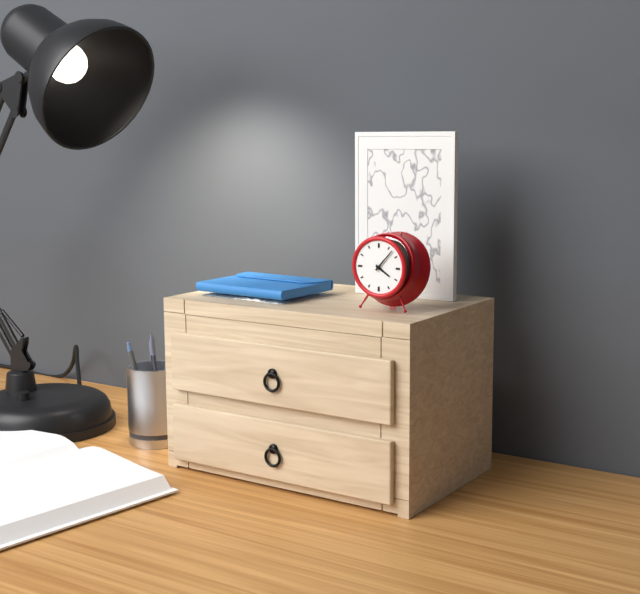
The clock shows **4:07**
